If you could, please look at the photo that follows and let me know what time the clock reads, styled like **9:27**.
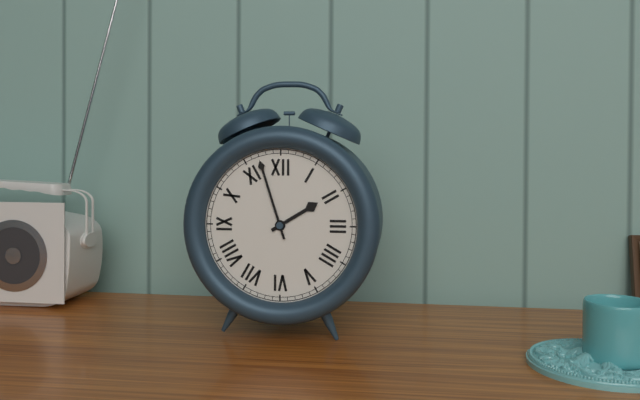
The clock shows **1:57**
